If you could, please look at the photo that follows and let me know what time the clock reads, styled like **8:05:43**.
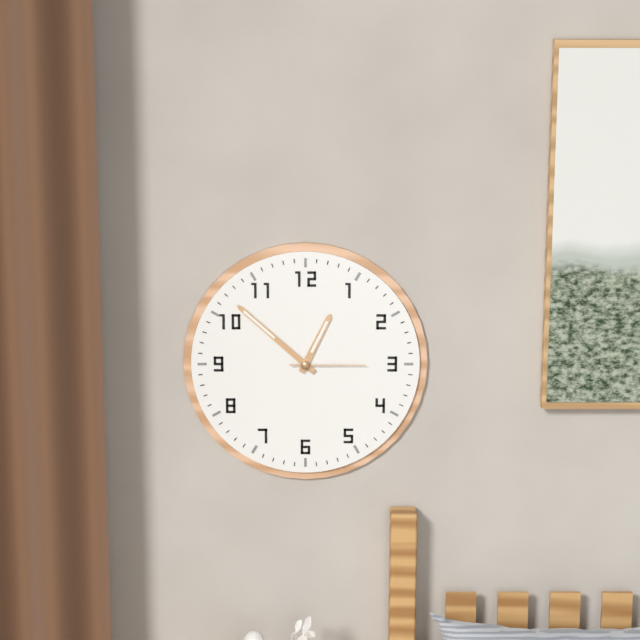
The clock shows **12:52:15**
